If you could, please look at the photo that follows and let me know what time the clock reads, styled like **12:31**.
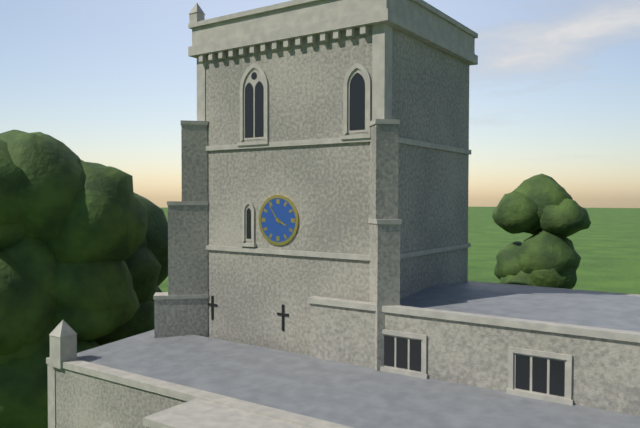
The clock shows **3:54**
